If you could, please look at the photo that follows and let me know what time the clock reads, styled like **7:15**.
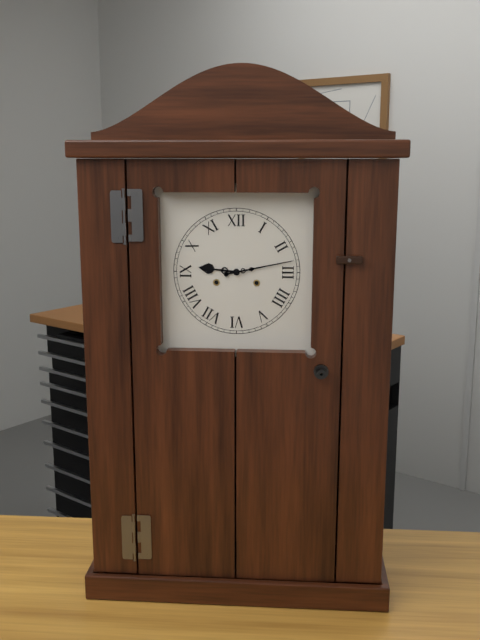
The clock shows **9:13**
